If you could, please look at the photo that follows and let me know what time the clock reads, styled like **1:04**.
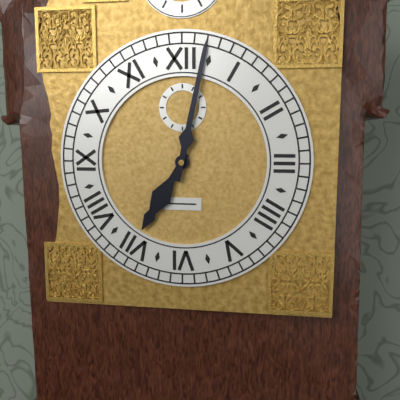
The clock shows **7:02**
